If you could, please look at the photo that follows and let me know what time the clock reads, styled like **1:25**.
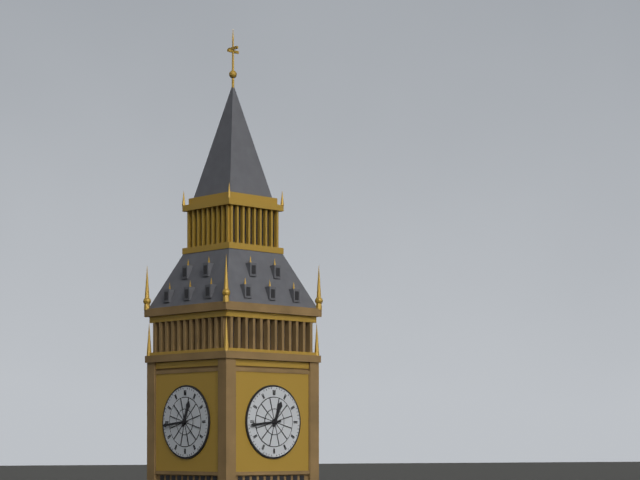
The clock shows **12:44**
